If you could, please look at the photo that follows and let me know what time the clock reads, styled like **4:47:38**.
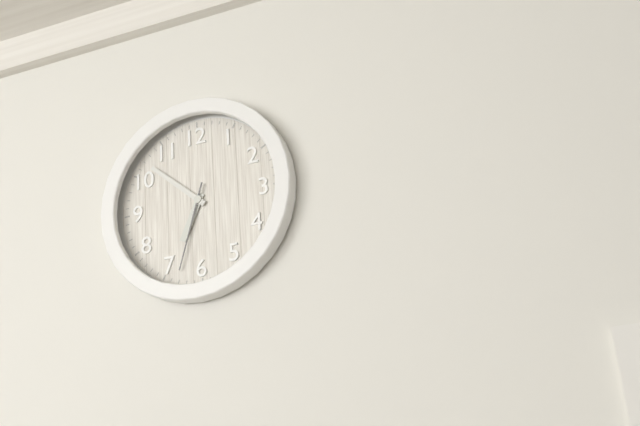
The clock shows **6:52:33**
